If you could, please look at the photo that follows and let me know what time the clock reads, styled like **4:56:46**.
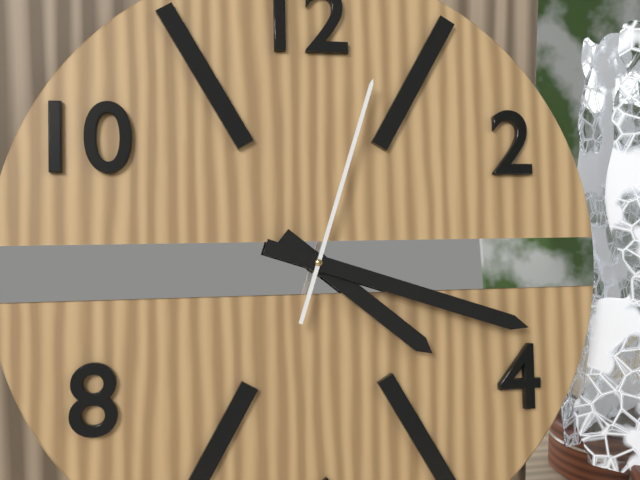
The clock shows **4:18:03**
